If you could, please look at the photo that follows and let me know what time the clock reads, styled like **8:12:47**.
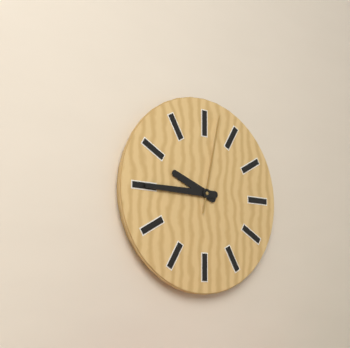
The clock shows **9:45:02**
